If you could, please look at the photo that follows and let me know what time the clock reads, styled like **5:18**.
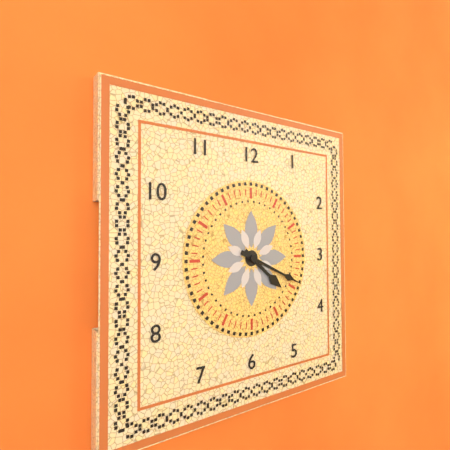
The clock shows **4:19**
